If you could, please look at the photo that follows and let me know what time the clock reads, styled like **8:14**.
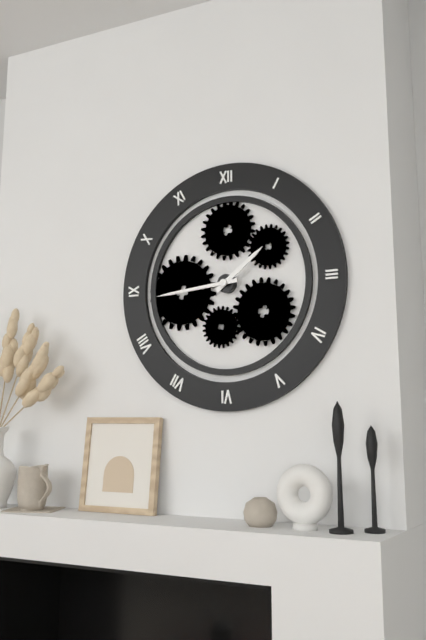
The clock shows **1:44**
